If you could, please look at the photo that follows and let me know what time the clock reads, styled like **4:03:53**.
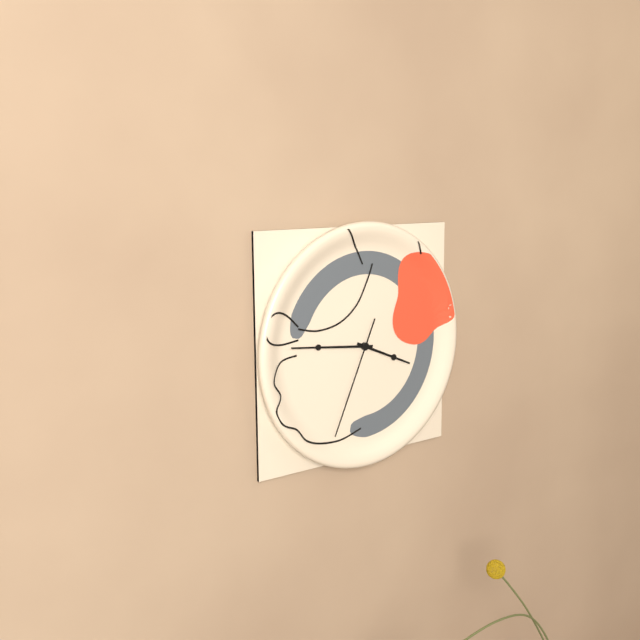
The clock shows **3:46:34**
